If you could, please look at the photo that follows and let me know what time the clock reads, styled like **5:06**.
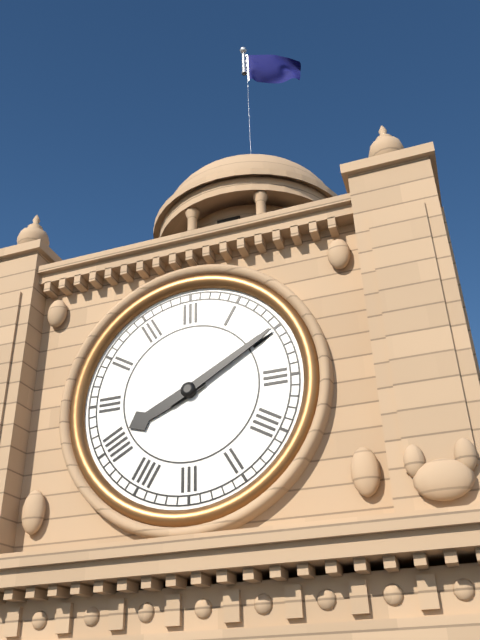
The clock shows **8:10**
